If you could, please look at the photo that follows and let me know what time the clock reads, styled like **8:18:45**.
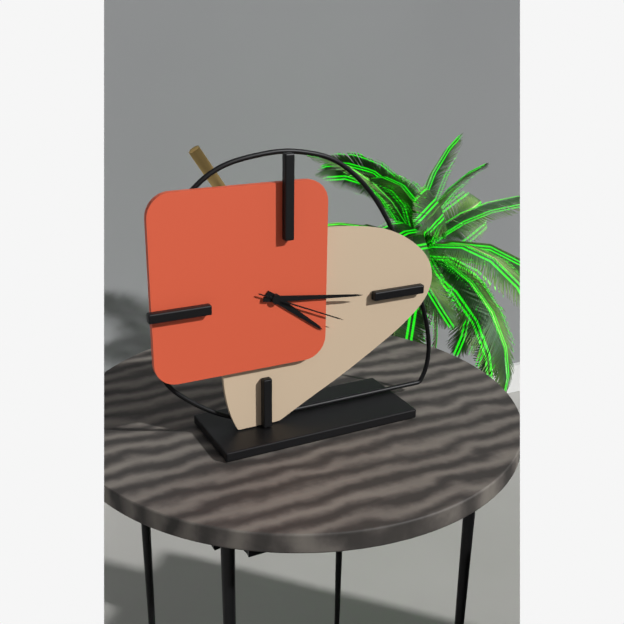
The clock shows **4:16:19**
